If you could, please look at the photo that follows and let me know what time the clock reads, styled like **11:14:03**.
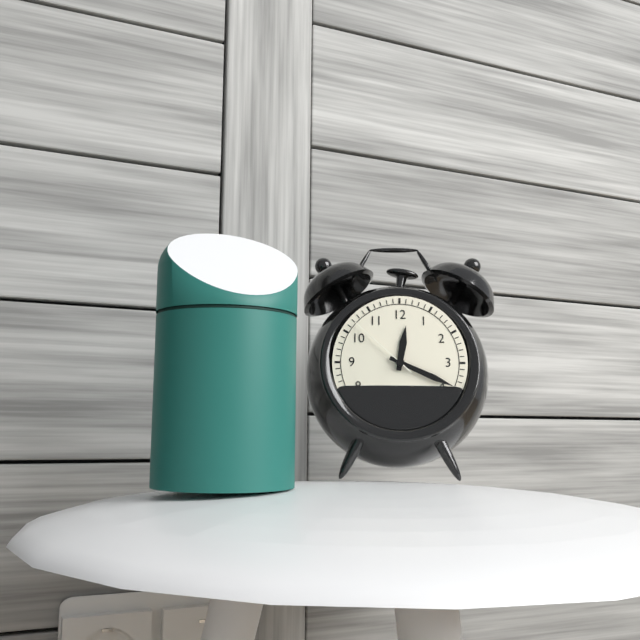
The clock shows **12:19:52**
